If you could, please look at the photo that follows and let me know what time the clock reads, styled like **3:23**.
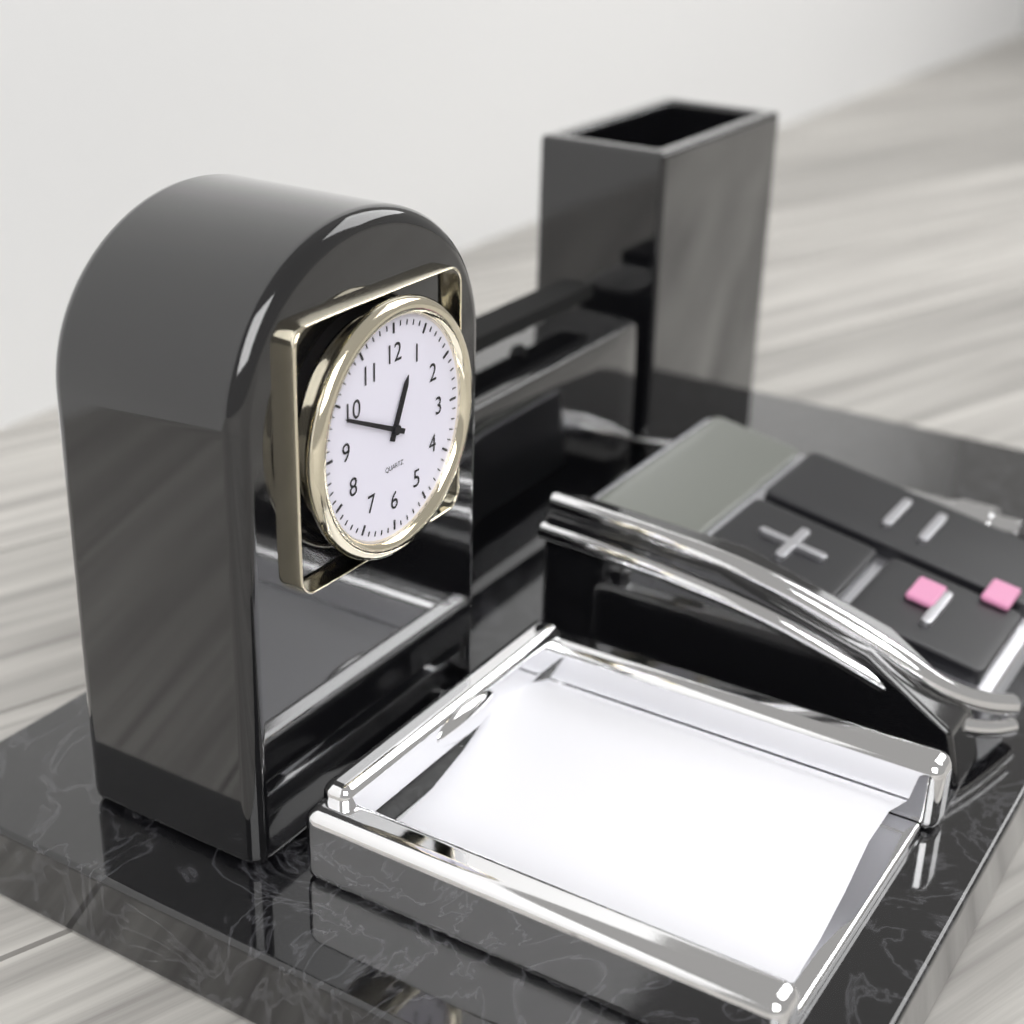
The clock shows **12:49**
